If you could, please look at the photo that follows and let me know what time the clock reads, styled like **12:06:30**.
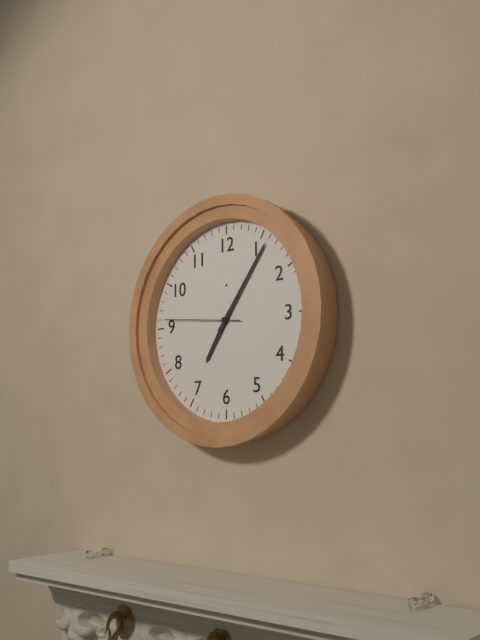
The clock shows **7:06:46**
